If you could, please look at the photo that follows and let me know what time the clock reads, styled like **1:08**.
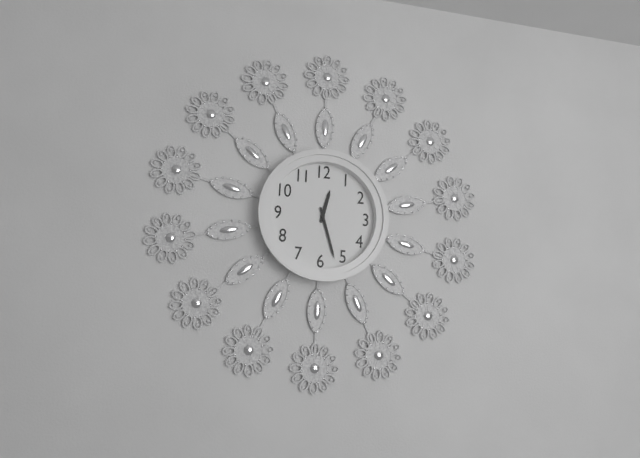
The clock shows **12:27**
